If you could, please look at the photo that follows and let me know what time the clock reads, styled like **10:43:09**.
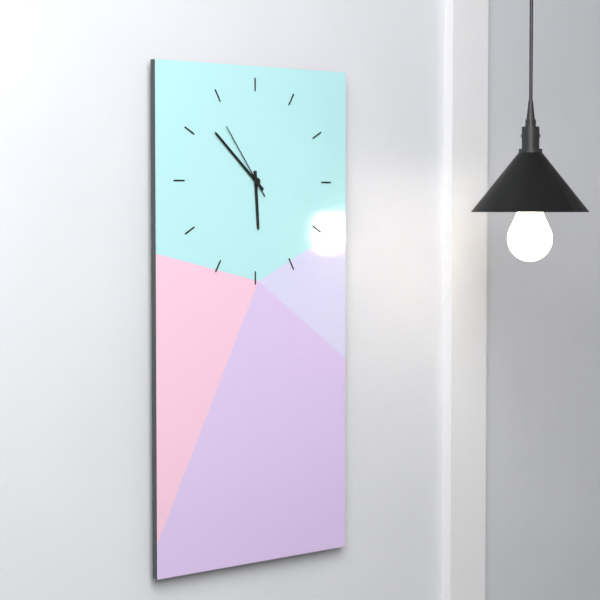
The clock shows **5:52:54**
